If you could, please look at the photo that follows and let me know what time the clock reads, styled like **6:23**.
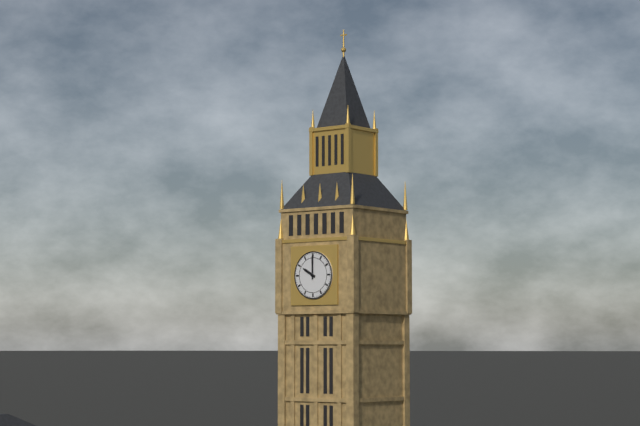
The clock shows **10:00**
